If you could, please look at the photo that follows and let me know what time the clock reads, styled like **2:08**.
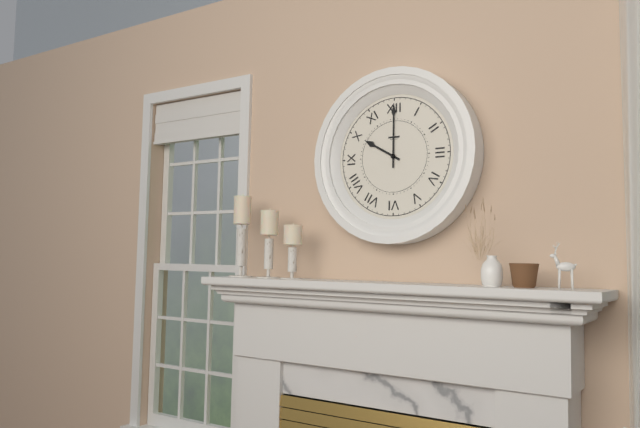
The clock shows **10:00**
